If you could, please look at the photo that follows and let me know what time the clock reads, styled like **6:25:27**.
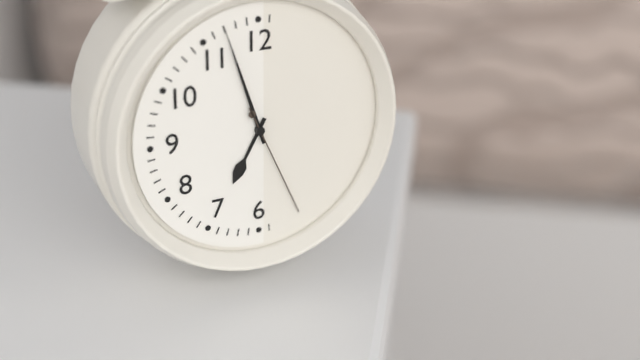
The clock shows **6:57:26**
